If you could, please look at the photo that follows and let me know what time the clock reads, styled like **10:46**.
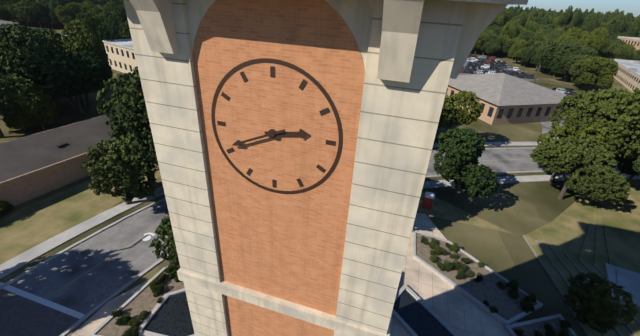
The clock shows **2:41**
